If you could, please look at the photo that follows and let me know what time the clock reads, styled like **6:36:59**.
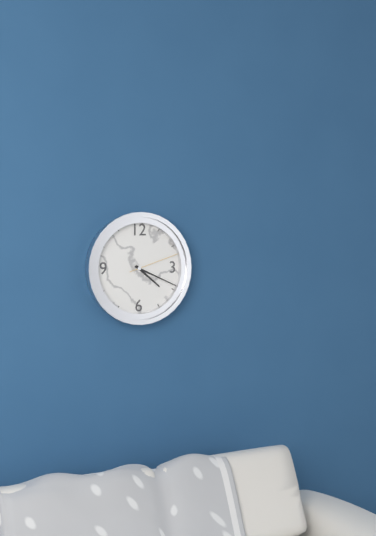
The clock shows **4:19:12**
